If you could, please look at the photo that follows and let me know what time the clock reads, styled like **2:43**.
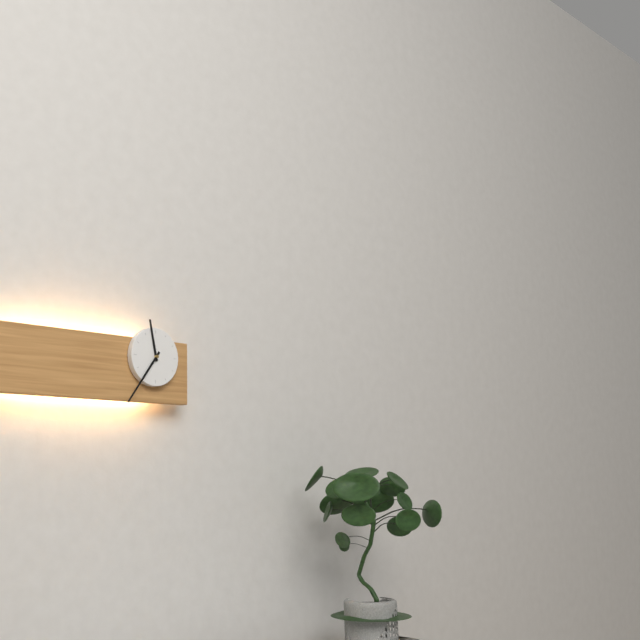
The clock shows **11:36**
